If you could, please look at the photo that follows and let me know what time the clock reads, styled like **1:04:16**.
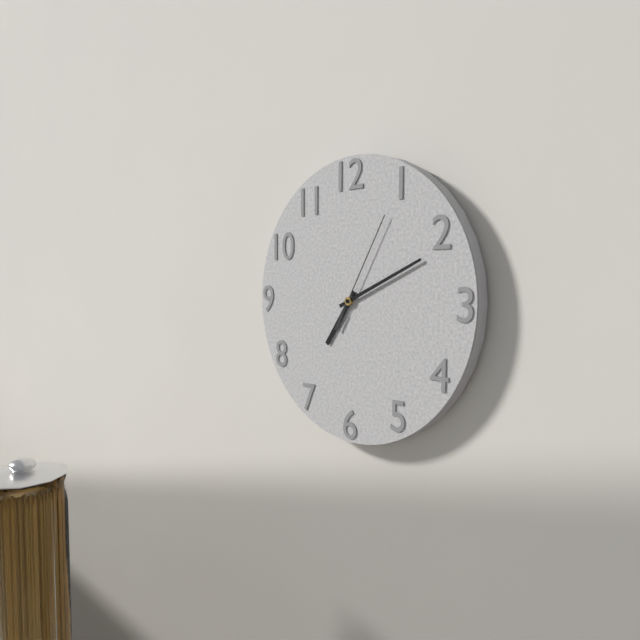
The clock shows **7:11:05**
